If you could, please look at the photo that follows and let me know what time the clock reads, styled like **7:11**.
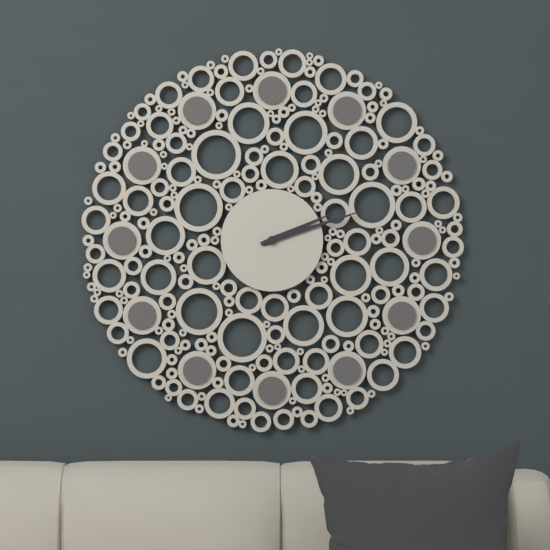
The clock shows **2:12**
